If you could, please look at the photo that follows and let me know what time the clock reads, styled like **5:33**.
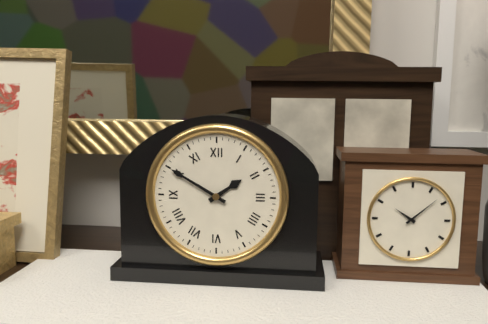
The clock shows **1:50**
